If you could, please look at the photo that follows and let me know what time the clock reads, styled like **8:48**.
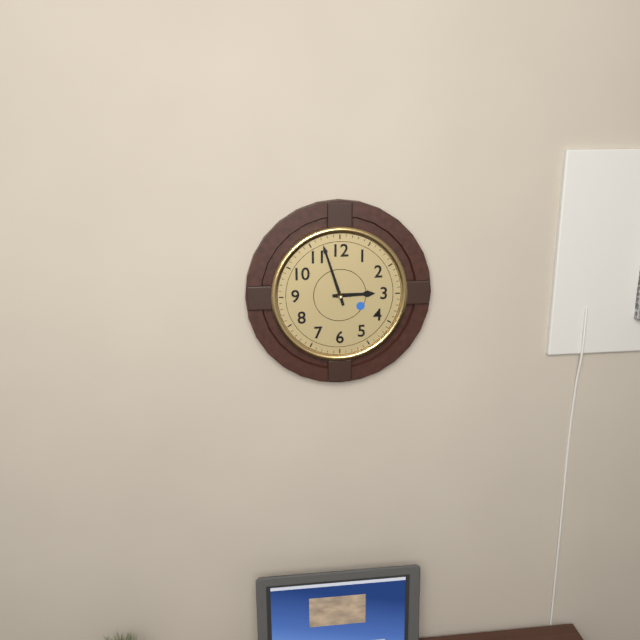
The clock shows **2:57**
